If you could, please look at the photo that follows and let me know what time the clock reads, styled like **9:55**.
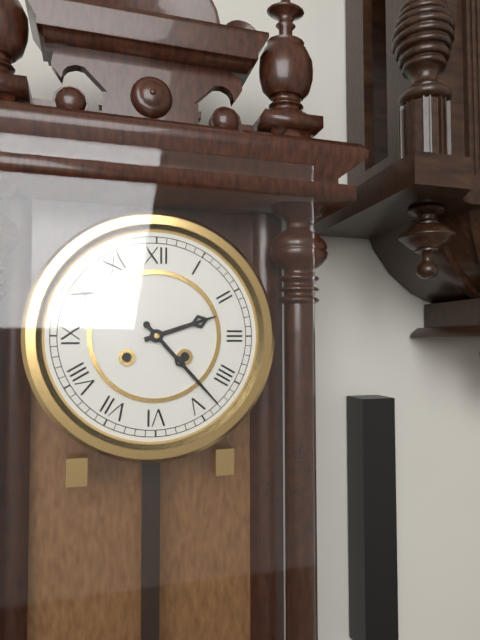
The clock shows **2:23**
